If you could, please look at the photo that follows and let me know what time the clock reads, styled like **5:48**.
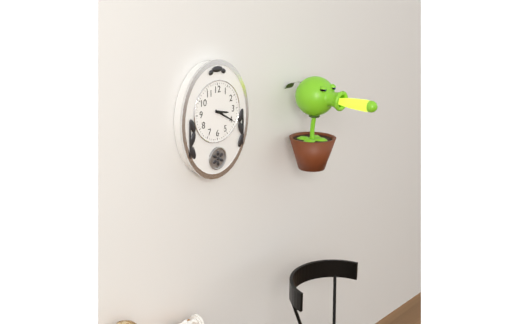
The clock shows **3:20**
